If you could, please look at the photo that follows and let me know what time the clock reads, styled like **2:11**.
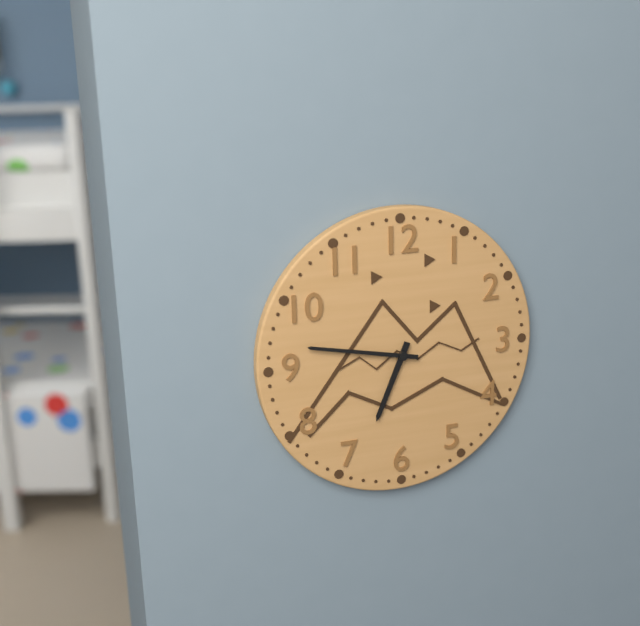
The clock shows **6:47**
